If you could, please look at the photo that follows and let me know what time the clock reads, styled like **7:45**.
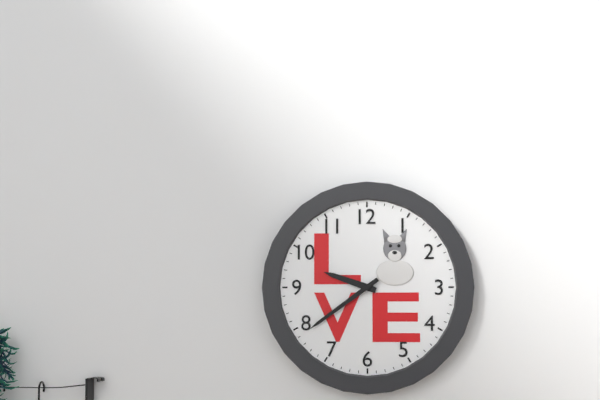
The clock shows **9:39**
